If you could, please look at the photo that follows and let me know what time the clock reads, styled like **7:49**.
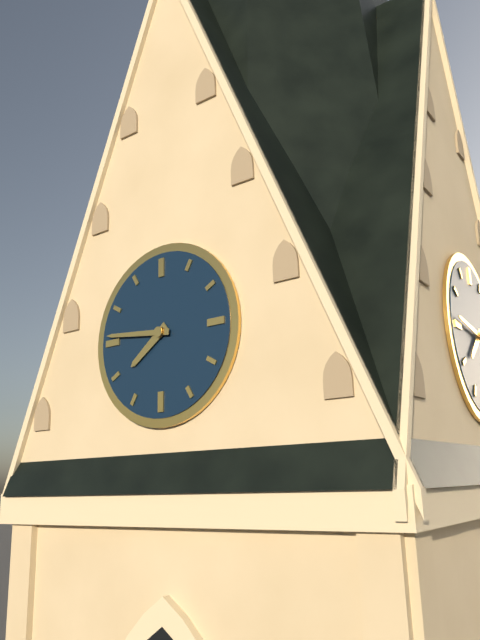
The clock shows **7:46**
